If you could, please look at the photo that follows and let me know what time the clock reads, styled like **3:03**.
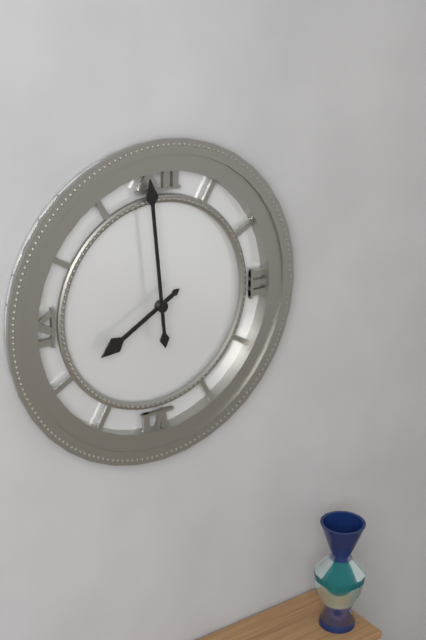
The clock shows **7:59**
